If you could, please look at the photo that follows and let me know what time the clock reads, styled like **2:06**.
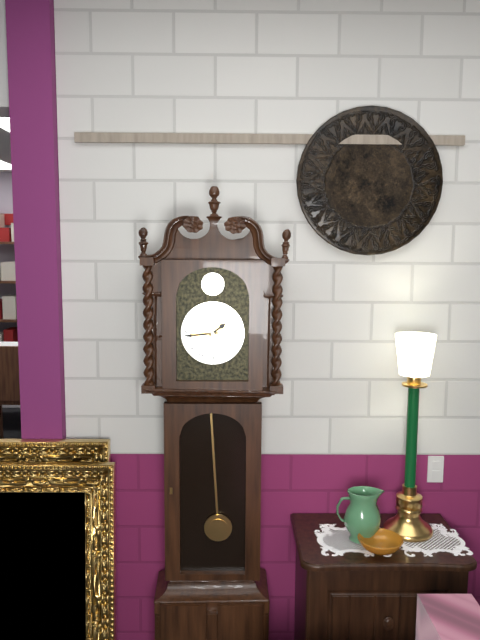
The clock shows **1:44**
